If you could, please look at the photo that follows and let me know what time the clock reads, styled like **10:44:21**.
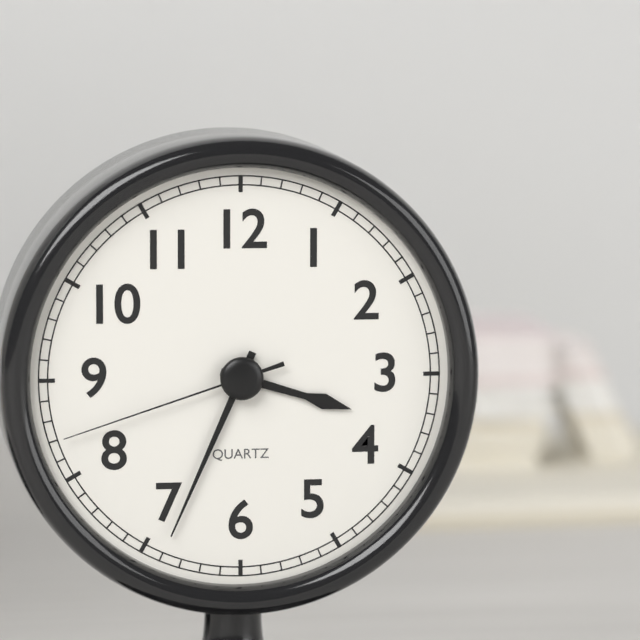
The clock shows **3:34:42**
